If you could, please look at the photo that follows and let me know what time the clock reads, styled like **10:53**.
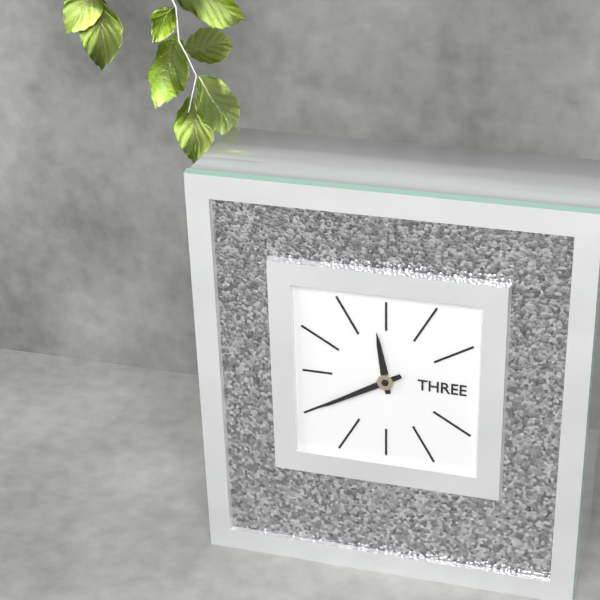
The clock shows **11:40**
